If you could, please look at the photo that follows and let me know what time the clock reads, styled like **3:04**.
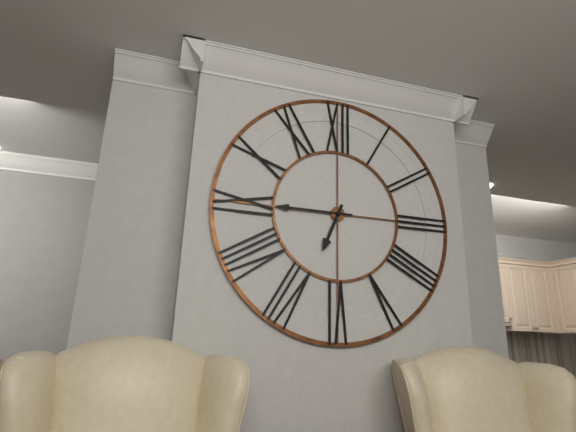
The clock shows **6:45**
